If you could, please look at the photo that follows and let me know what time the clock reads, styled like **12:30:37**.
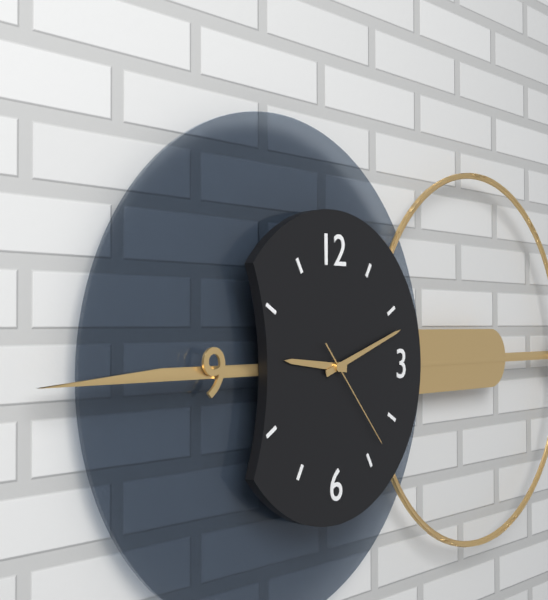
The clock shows **9:12:23**
